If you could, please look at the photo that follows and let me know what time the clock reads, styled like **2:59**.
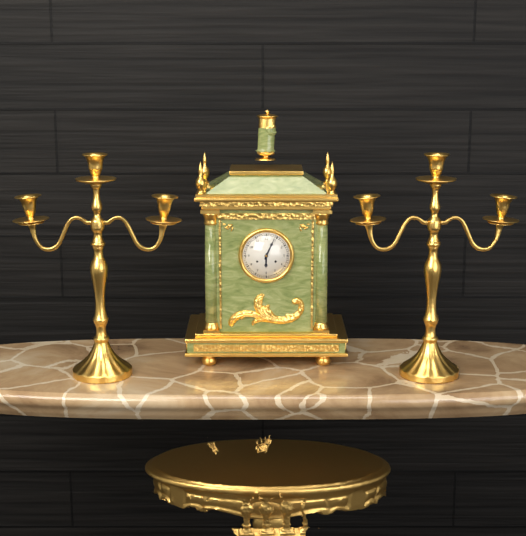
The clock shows **6:04**
